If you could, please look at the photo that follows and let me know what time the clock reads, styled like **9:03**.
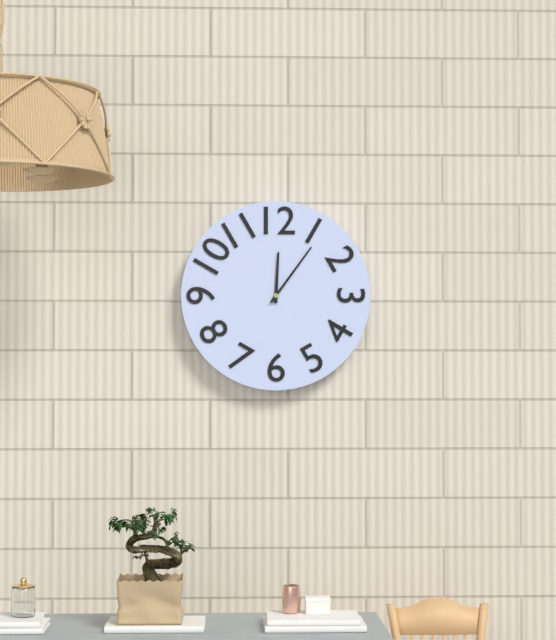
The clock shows **12:06**
